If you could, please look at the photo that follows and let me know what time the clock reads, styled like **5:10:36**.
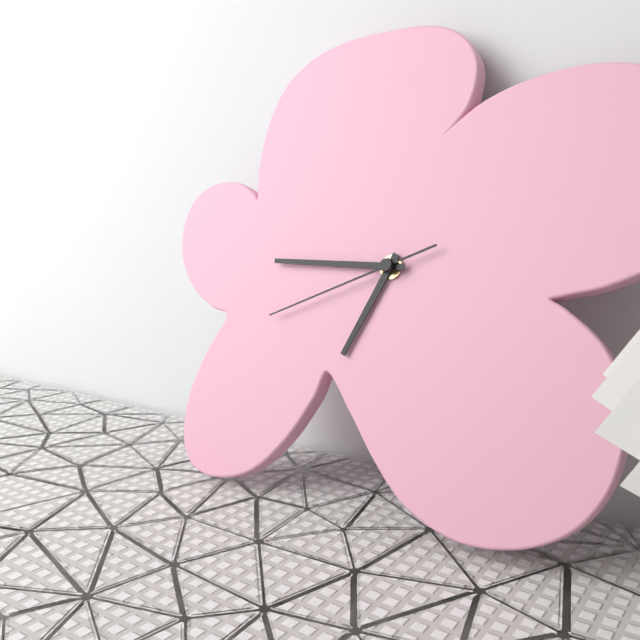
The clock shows **6:45:41**
